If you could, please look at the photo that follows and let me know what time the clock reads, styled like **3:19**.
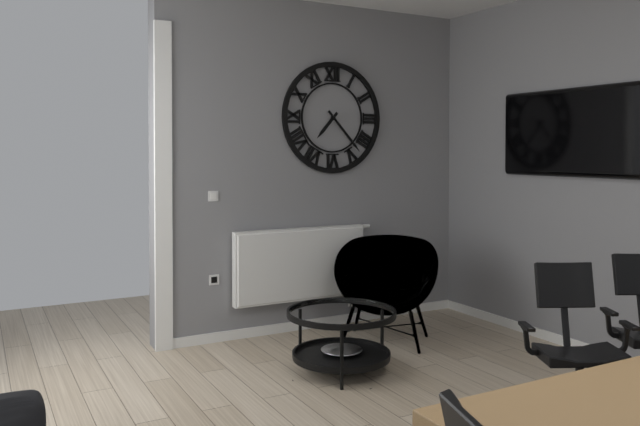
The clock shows **7:23**
